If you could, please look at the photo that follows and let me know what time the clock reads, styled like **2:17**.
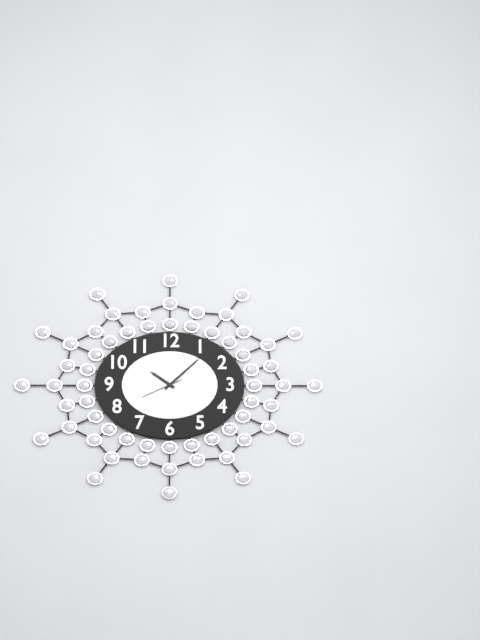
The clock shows **10:08**
